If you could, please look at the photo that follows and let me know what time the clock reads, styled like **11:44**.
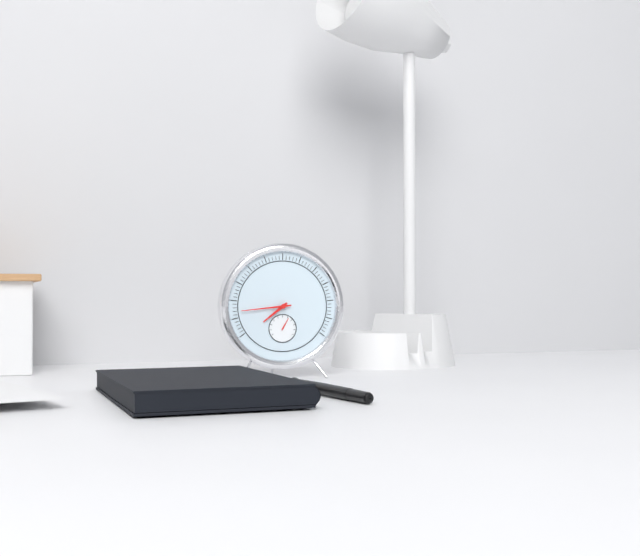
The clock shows **7:44**
